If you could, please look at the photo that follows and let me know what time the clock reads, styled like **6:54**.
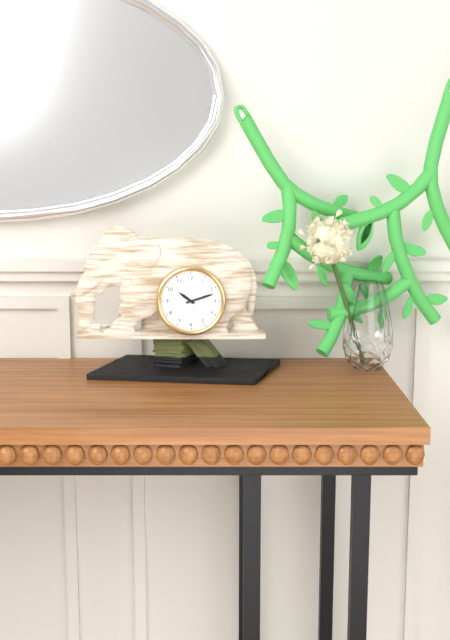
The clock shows **10:12**
